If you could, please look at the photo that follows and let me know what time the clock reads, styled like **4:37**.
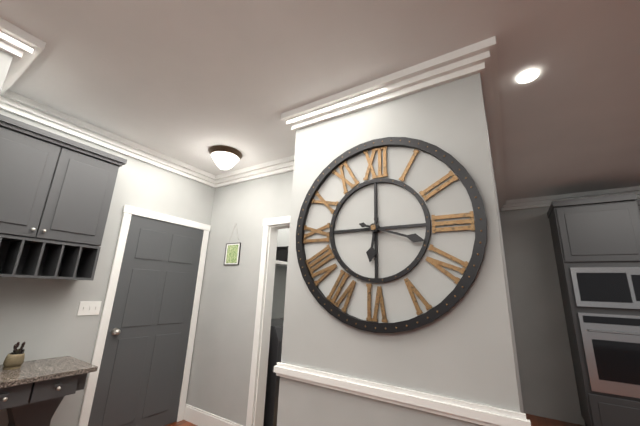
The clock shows **6:18**
